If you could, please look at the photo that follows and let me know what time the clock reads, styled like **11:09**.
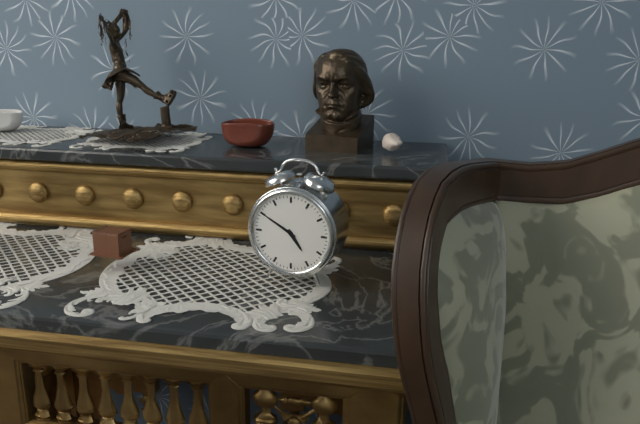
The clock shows **4:50**
